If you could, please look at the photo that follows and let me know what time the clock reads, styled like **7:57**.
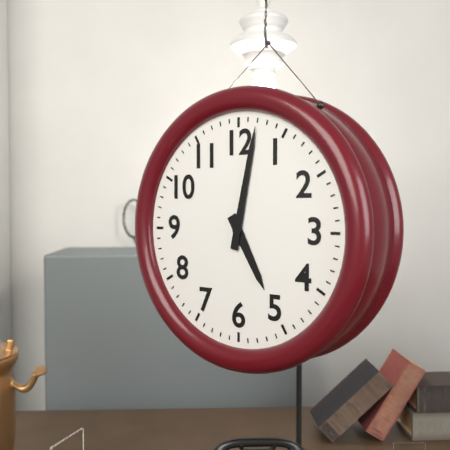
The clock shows **5:02**
